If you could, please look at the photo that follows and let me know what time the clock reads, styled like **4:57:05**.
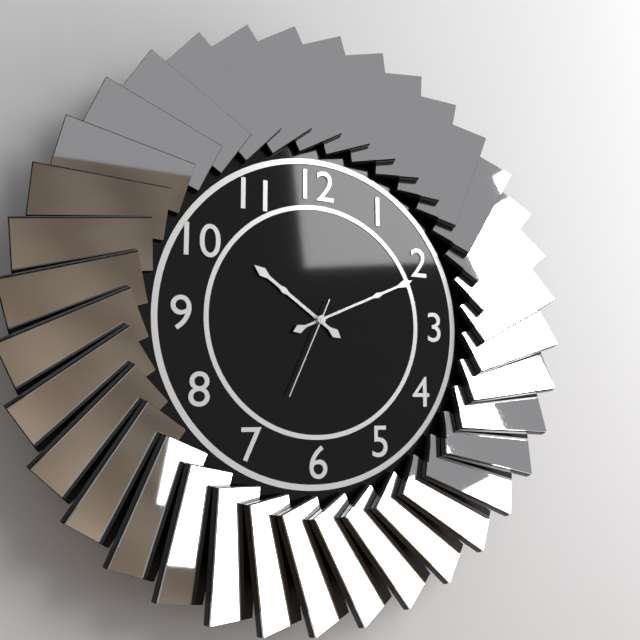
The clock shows **10:11:34**
